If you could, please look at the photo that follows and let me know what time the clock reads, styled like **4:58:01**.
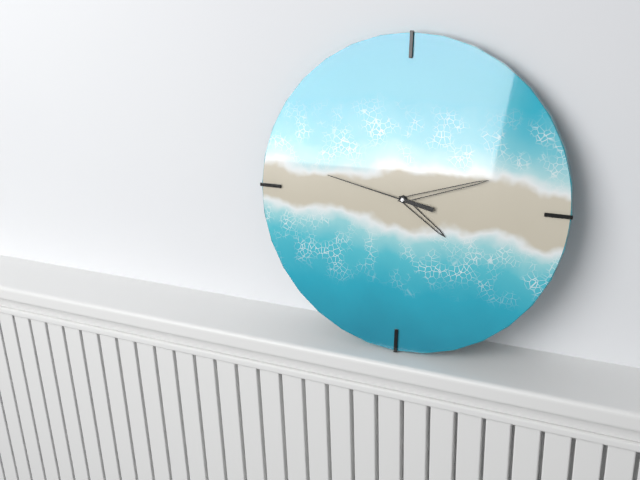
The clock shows **4:12:47**
